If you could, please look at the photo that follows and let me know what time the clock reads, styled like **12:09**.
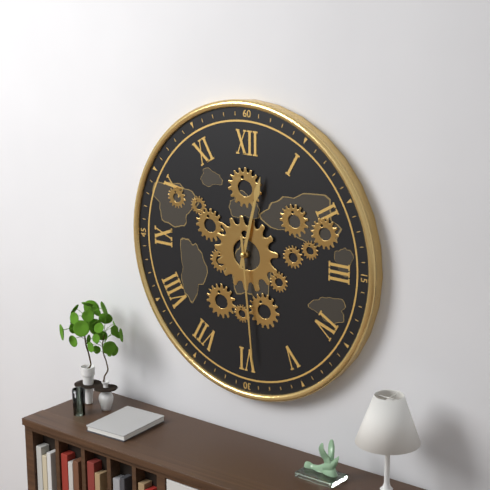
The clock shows **12:29**
